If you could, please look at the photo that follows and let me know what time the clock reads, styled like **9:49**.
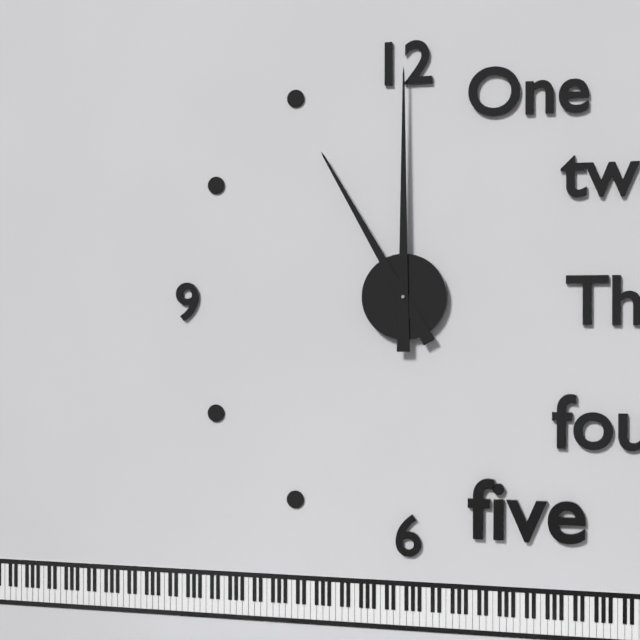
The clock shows **11:00**
